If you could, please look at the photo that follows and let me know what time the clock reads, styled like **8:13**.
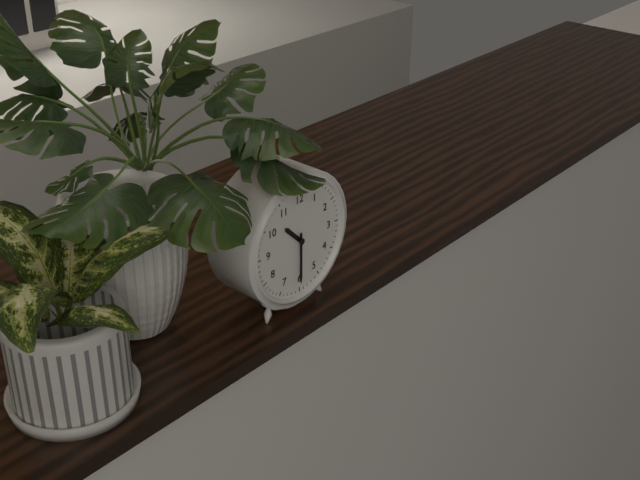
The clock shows **10:30**
